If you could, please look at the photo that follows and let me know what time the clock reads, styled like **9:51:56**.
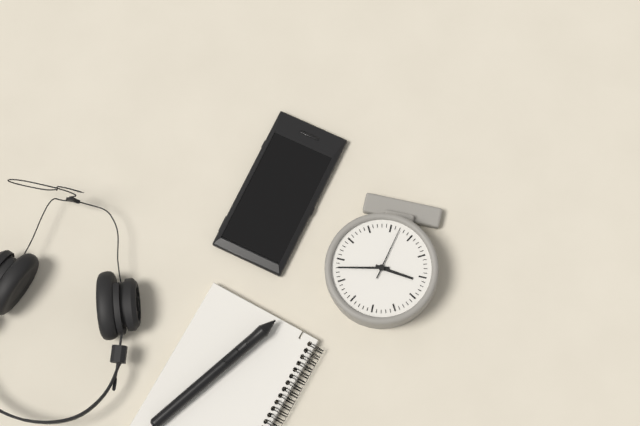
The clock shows **9:13:32**
